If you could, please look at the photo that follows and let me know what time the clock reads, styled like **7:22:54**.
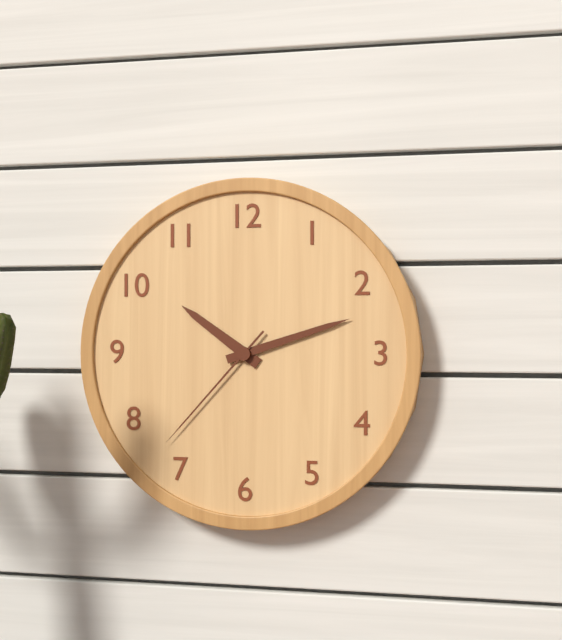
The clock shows **10:12:37**
